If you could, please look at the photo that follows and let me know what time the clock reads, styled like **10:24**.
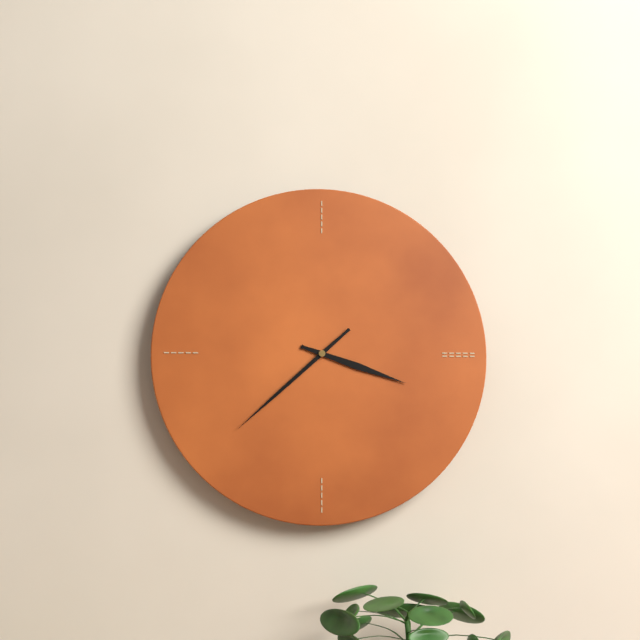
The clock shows **3:38**
